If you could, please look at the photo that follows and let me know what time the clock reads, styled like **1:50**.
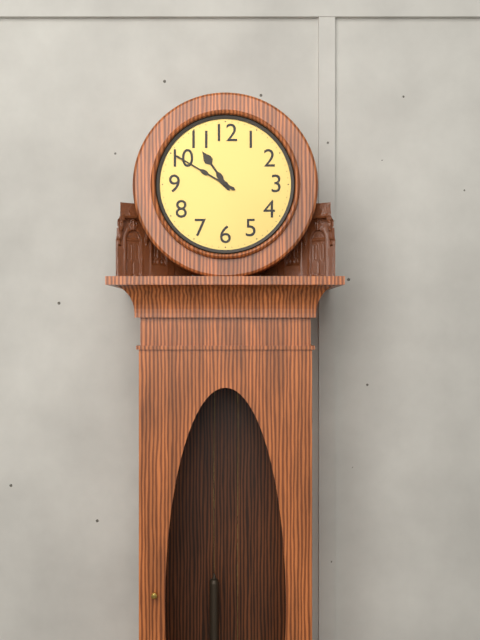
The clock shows **10:50**
